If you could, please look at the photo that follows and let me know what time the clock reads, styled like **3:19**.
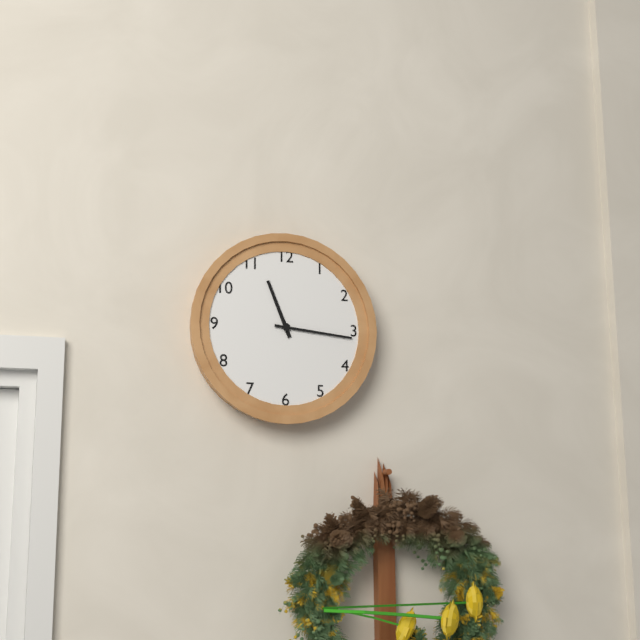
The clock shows **11:16**
